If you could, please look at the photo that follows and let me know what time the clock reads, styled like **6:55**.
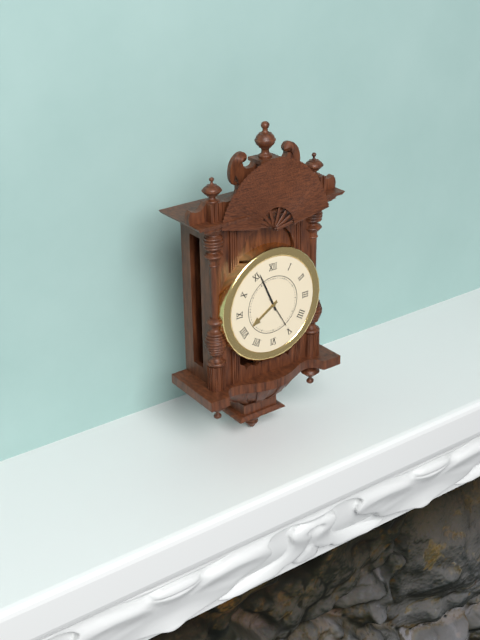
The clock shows **7:56**
